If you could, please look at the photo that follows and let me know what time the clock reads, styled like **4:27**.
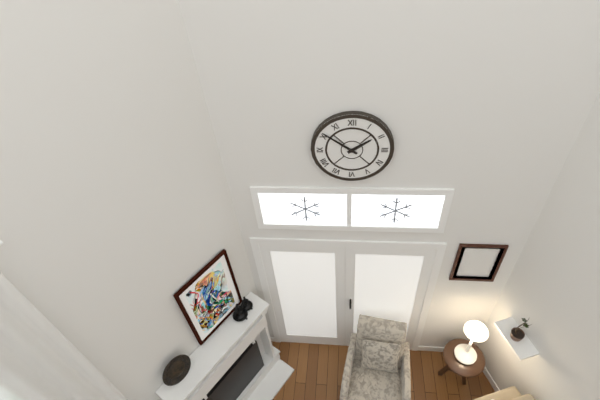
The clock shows **1:51**
